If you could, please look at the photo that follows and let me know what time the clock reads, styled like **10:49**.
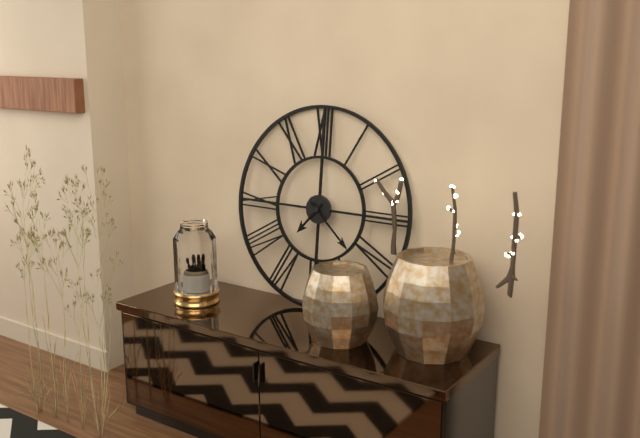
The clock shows **7:22**
